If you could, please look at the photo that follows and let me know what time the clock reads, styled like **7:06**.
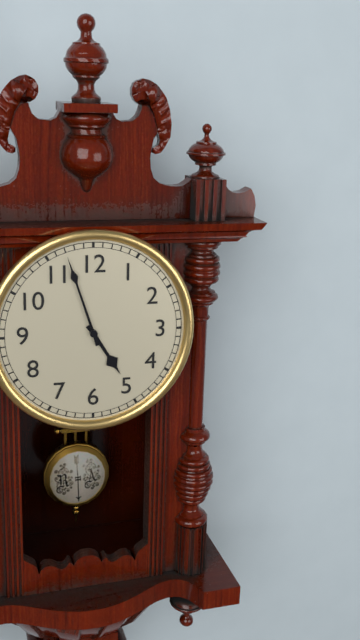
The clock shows **4:57**
